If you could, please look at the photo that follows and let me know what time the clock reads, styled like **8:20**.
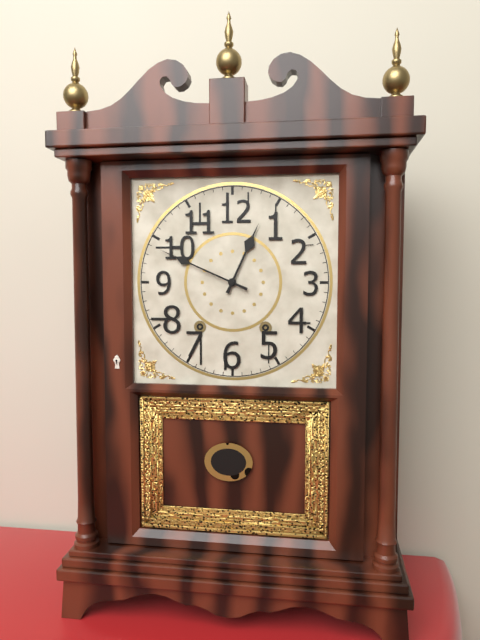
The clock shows **12:49**
